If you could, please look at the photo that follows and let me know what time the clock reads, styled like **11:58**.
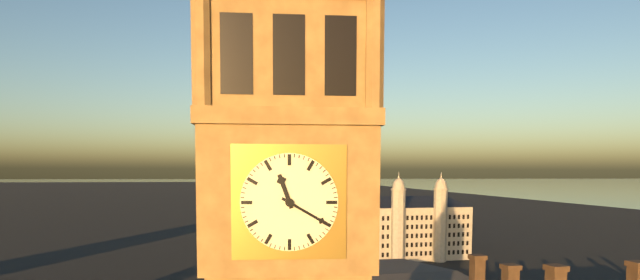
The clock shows **11:20**
